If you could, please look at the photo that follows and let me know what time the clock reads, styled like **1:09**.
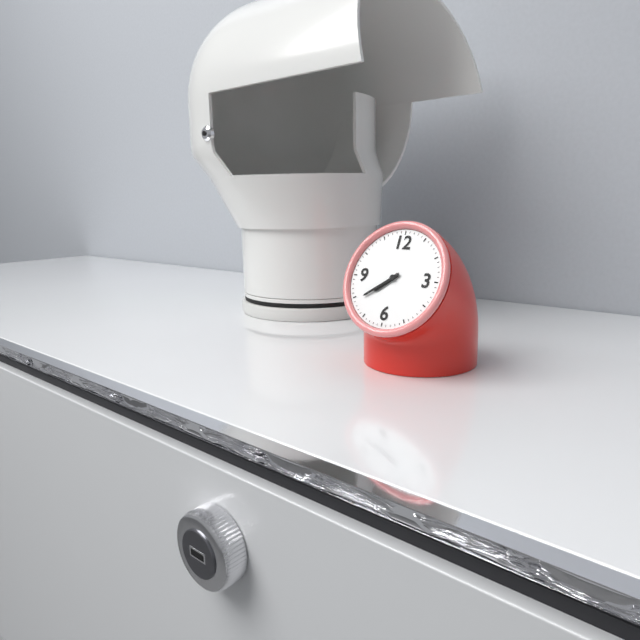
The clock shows **7:39**
